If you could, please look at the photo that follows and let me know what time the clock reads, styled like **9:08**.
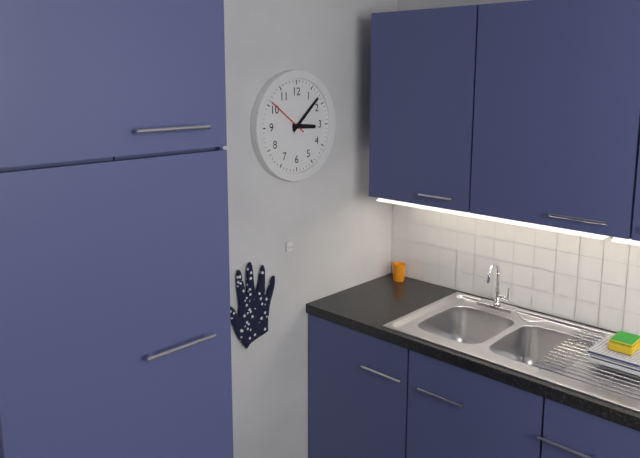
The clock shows **3:08**
